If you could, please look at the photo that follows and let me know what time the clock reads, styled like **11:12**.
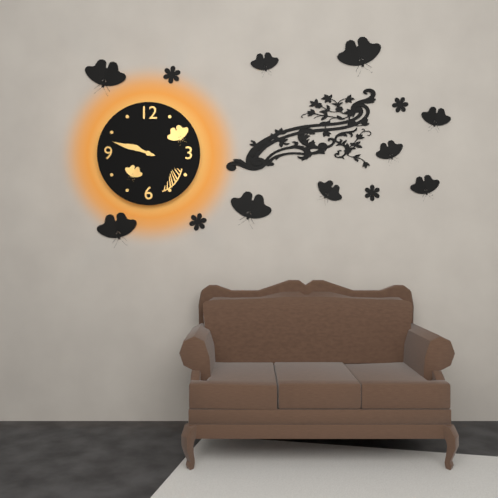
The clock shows **9:48**
